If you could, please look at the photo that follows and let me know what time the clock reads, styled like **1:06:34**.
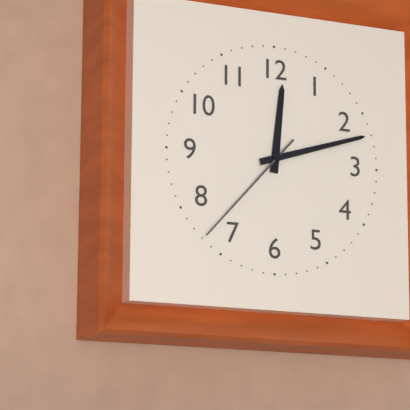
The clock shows **12:12:37**
